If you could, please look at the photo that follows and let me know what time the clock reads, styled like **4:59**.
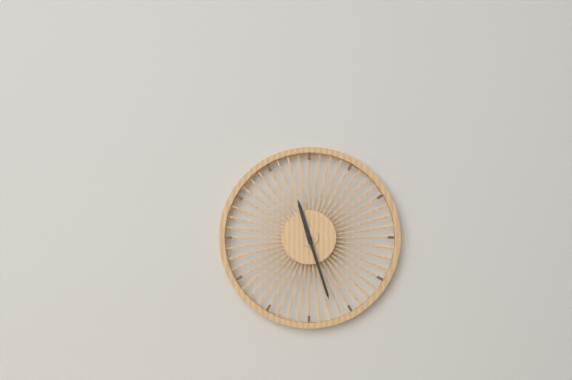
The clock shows **11:27**
